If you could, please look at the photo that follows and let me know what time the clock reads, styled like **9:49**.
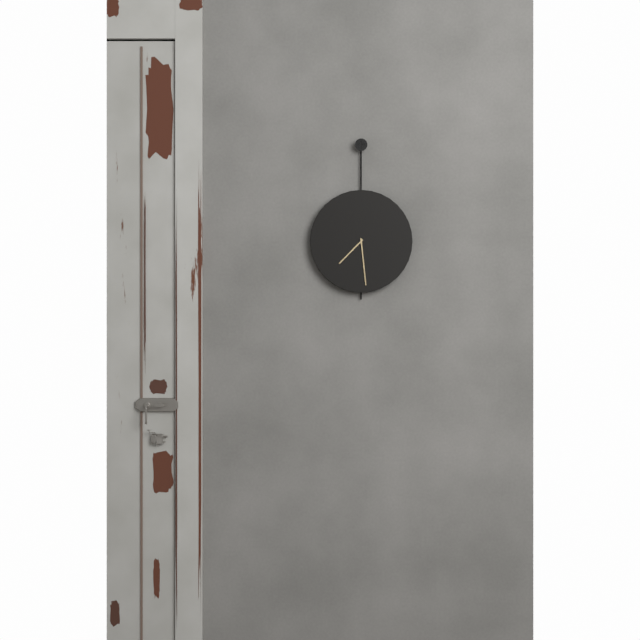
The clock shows **7:29**
